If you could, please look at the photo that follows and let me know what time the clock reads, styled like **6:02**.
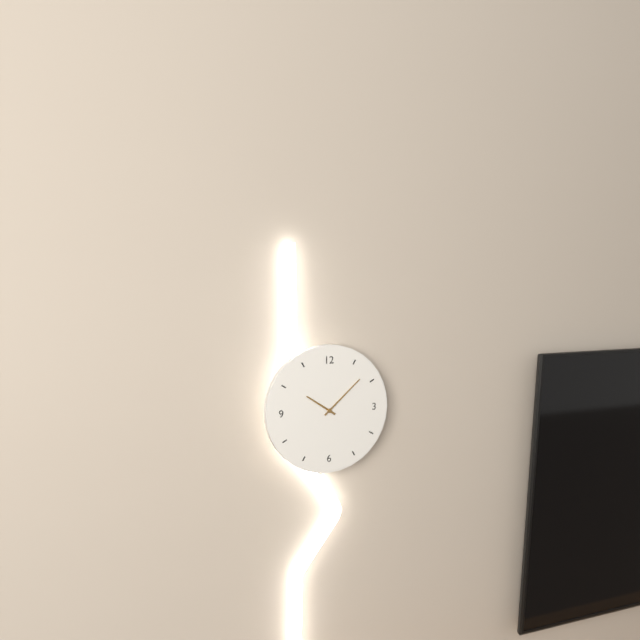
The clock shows **10:08**
